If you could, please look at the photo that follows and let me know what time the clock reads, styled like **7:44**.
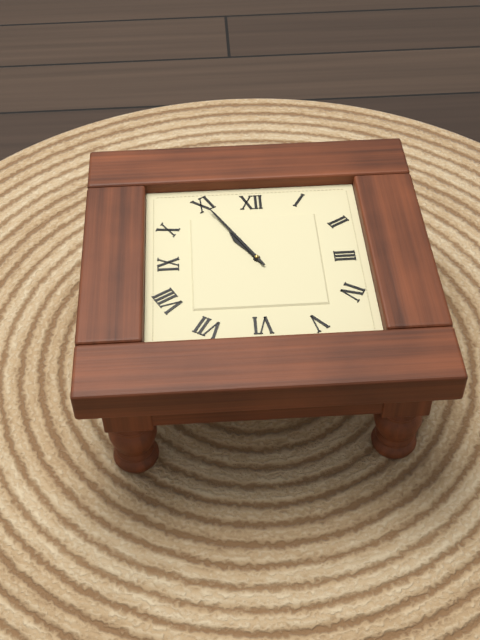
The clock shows **10:55**
